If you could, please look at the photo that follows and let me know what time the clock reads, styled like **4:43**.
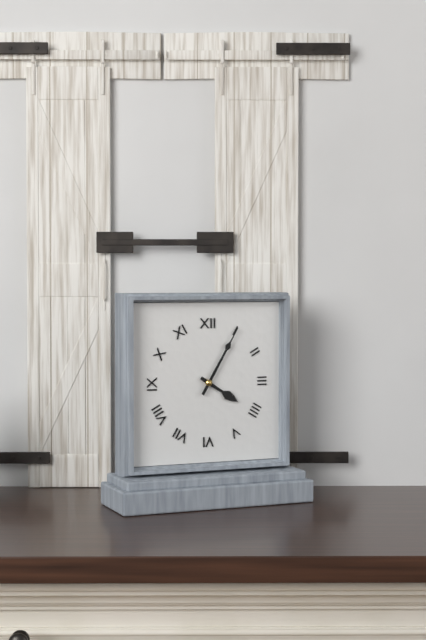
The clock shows **4:05**
